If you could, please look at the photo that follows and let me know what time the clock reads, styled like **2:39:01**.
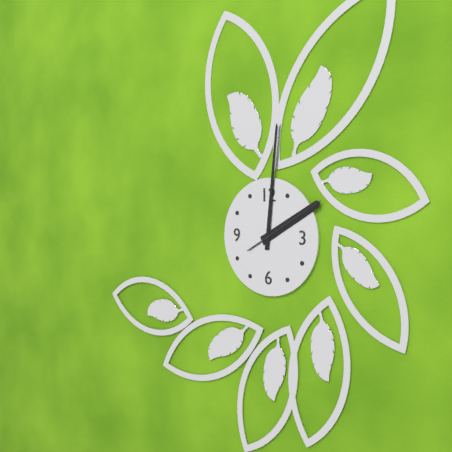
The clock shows **2:01:10**
